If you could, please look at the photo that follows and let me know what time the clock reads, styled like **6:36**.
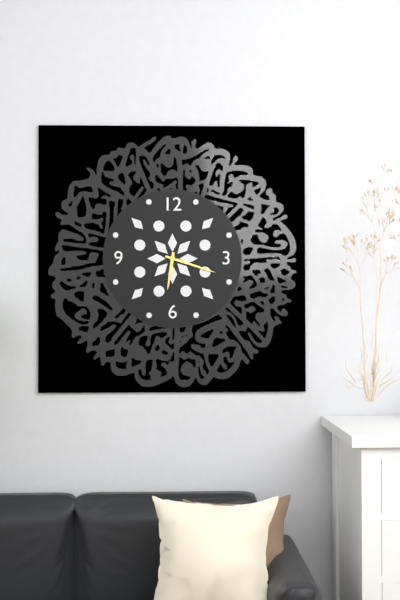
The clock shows **6:18**
